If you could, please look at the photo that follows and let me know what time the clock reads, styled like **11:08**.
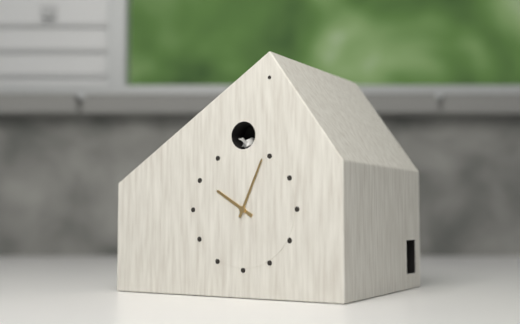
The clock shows **10:04**
